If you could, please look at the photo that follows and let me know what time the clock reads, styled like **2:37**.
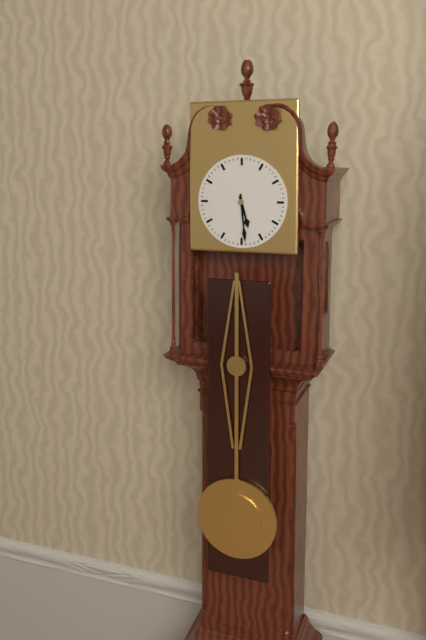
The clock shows **5:29**
